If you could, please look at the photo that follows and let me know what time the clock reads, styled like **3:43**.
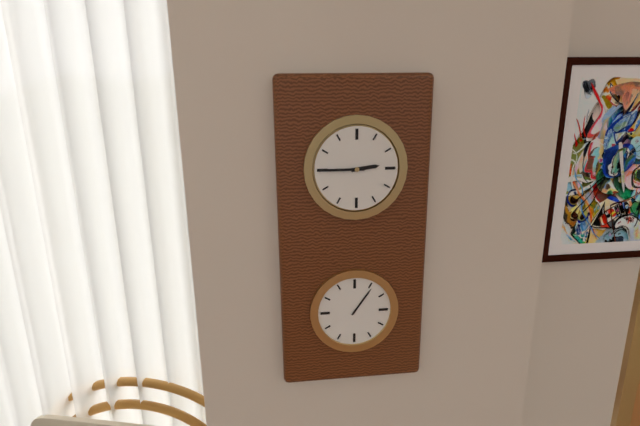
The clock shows **2:45**
